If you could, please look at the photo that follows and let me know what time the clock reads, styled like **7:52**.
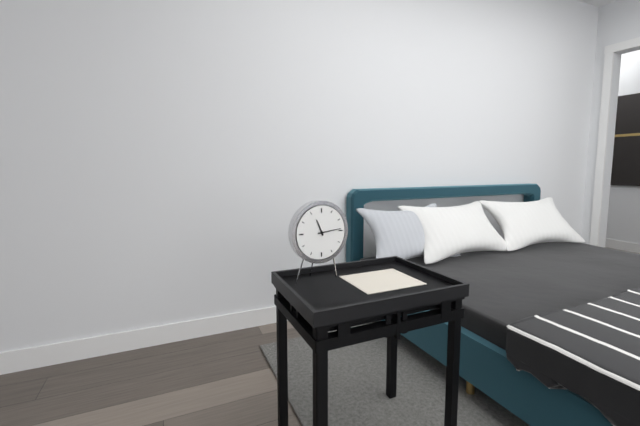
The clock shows **11:14**
